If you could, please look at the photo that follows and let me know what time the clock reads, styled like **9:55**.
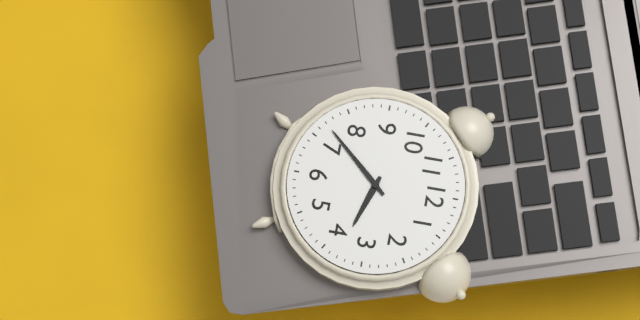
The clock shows **3:37**
